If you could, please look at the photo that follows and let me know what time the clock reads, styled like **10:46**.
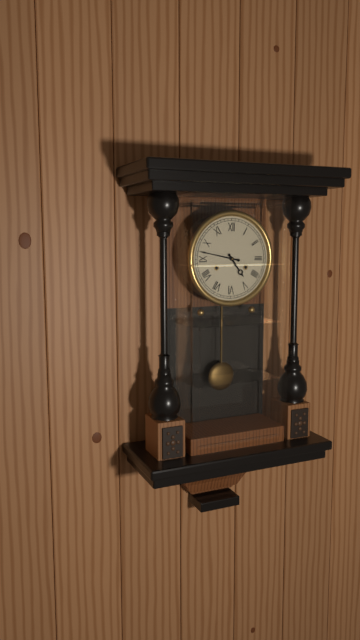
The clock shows **4:47**
